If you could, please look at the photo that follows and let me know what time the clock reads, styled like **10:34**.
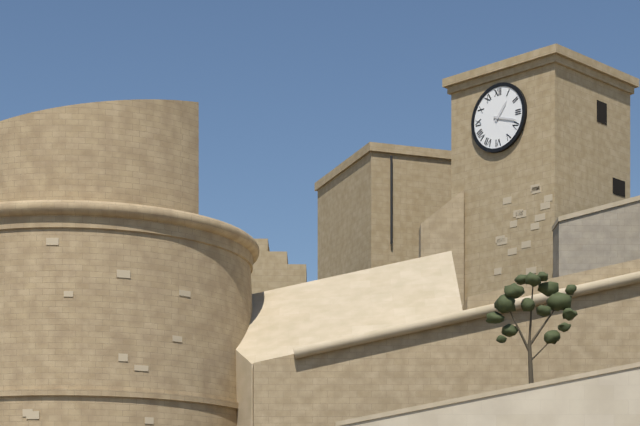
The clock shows **1:18**
